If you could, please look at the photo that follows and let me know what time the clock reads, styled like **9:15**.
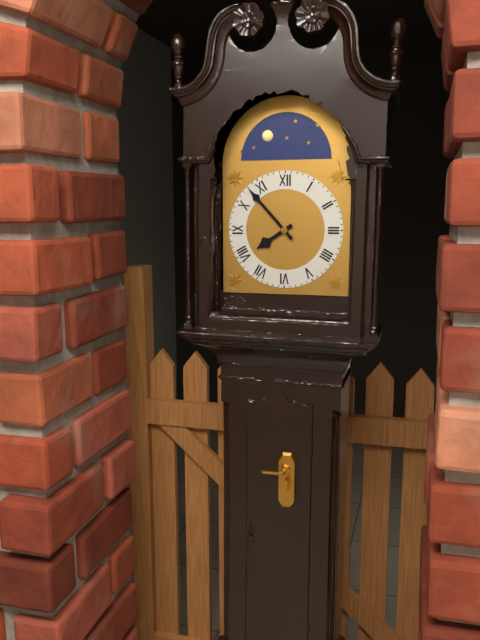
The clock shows **7:53**
